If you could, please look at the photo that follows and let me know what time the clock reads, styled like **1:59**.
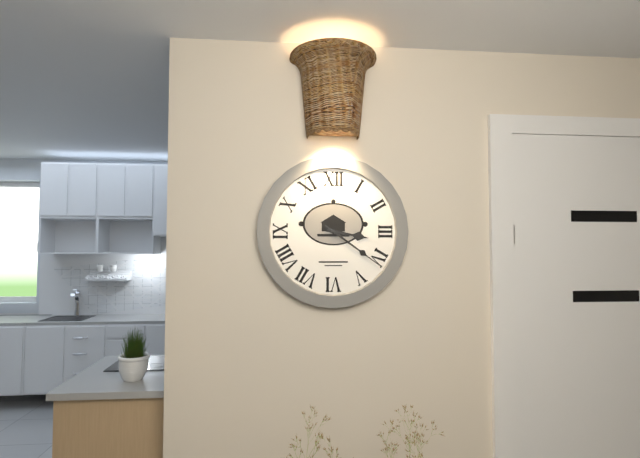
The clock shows **3:21**
